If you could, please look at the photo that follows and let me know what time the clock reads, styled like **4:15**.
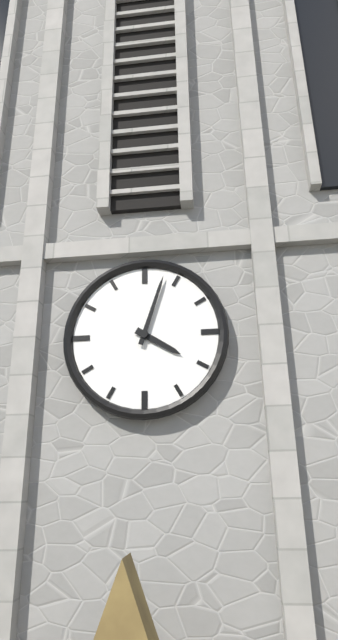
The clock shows **4:03**
